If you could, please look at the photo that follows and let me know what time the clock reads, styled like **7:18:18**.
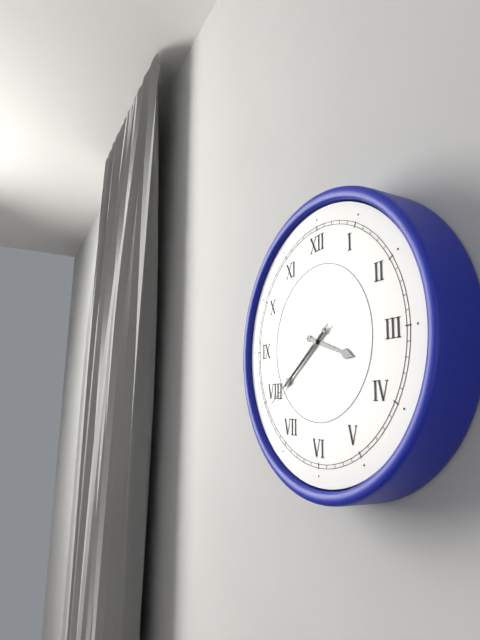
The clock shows **3:39:39**
